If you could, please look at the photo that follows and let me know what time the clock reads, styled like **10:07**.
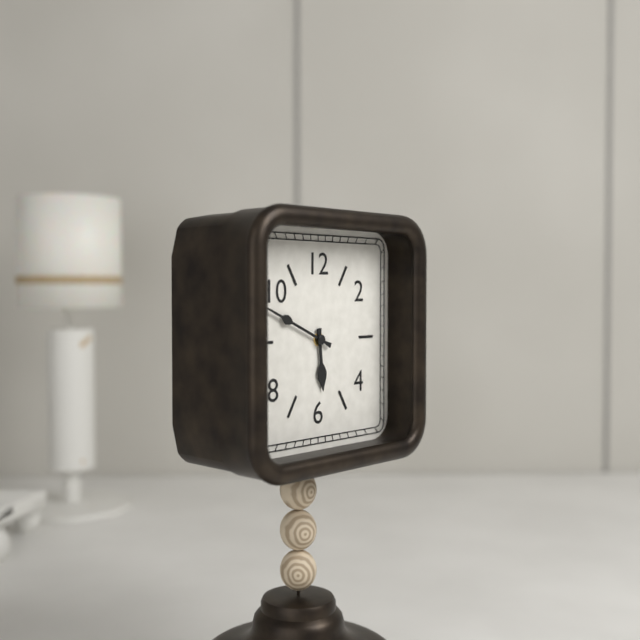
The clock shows **5:49**
